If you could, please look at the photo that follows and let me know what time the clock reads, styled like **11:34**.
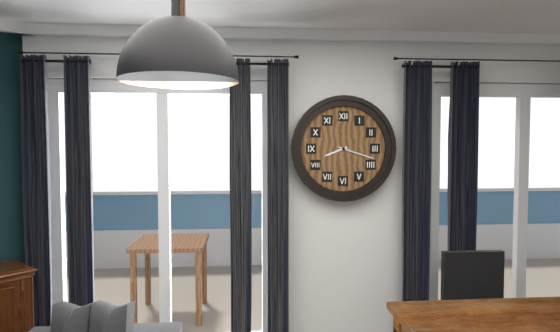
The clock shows **8:18**
